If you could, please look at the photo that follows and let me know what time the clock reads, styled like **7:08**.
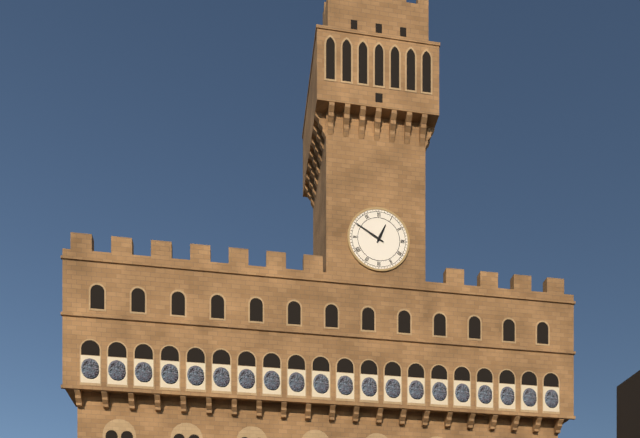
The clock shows **12:50**
